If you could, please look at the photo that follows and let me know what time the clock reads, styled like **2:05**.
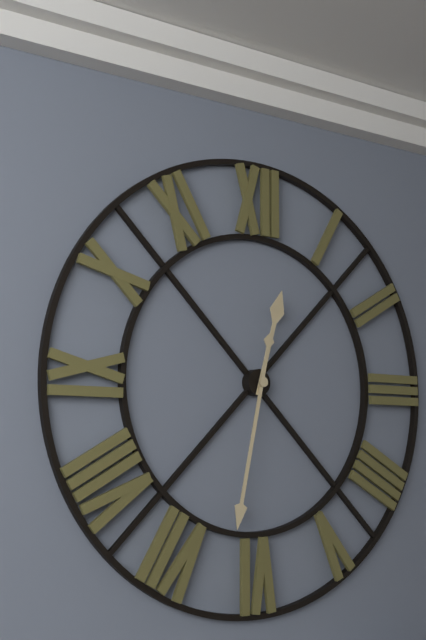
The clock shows **12:32**
